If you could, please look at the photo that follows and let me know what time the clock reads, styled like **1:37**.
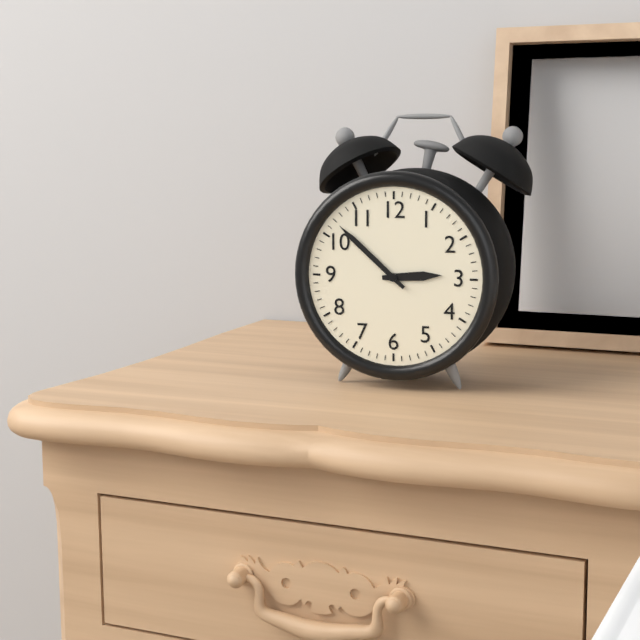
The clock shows **2:52**
